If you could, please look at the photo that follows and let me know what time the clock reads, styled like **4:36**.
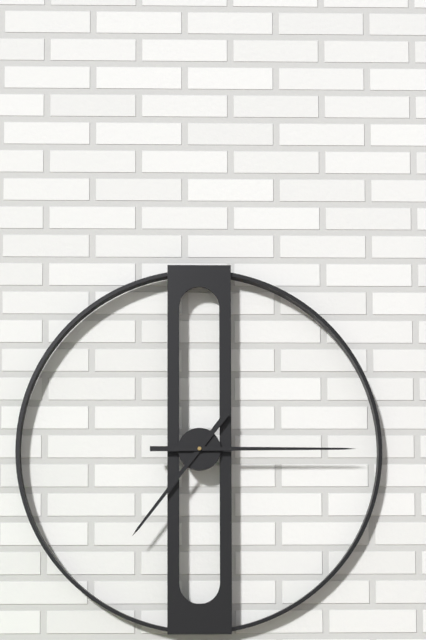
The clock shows **7:15**
